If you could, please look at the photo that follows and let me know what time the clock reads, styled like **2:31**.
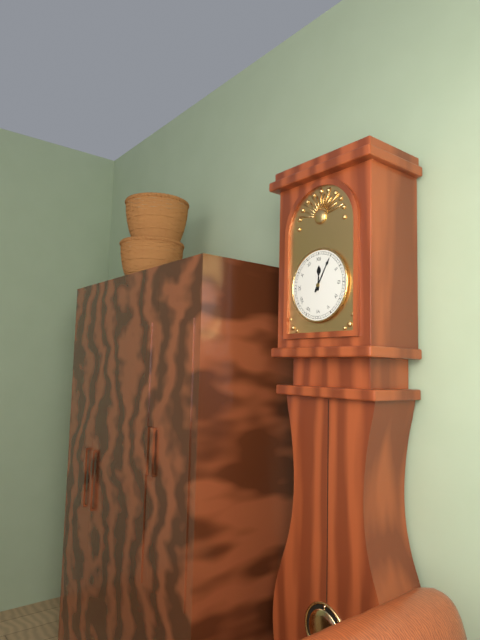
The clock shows **12:05**
